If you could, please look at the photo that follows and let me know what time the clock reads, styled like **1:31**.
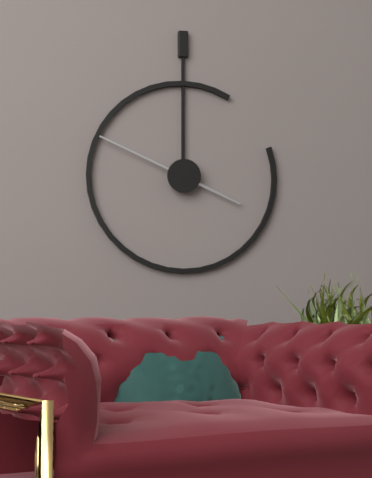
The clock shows **3:49**
